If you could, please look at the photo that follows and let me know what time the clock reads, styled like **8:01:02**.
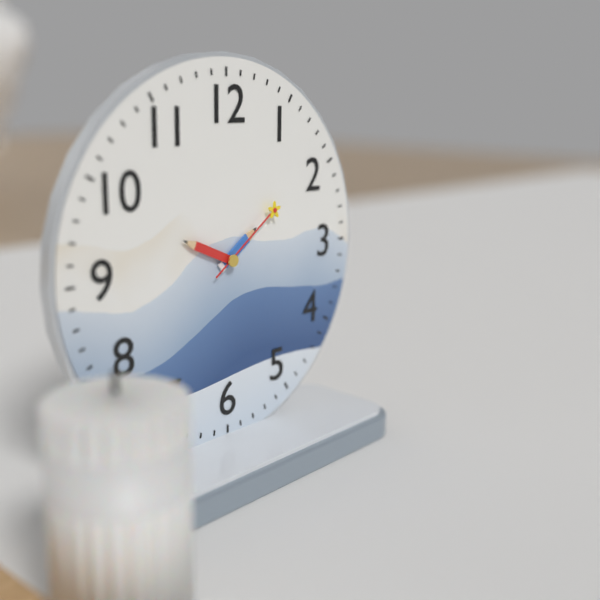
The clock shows **1:49:09**
